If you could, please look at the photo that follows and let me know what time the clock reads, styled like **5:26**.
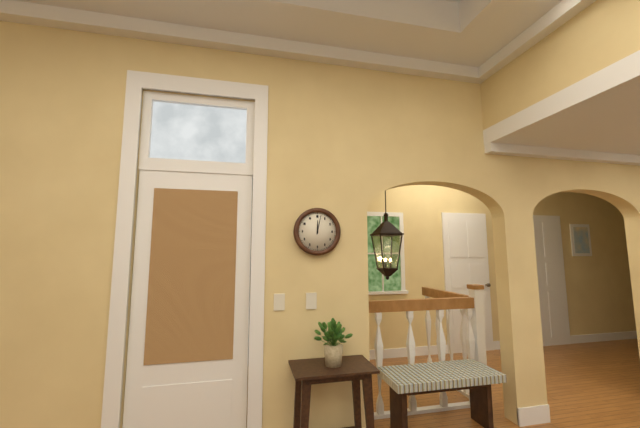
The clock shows **12:02**
